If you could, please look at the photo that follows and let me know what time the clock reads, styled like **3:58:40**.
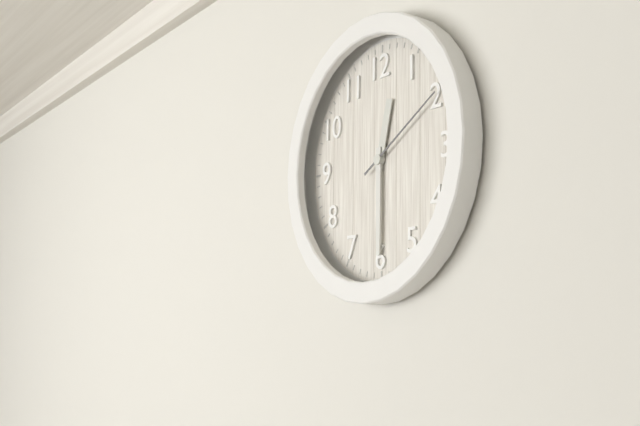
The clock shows **12:30:10**
